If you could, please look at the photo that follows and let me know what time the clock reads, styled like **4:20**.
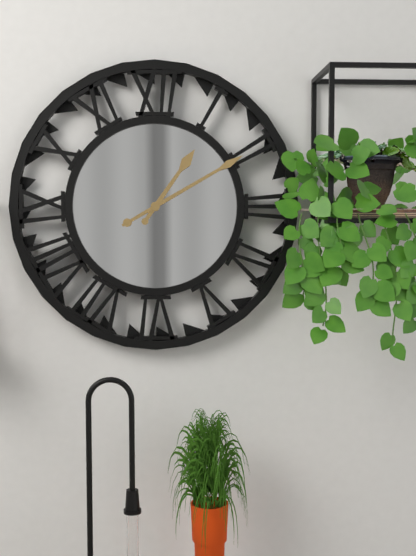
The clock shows **1:10**
